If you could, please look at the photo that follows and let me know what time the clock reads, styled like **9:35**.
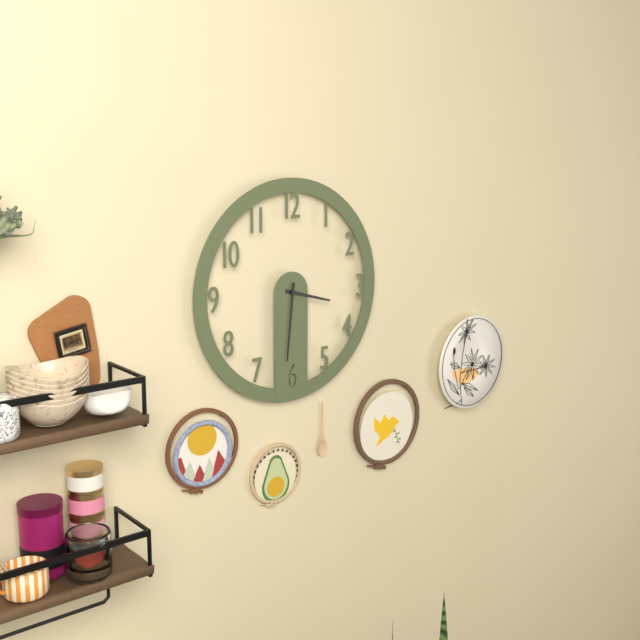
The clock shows **3:31**
